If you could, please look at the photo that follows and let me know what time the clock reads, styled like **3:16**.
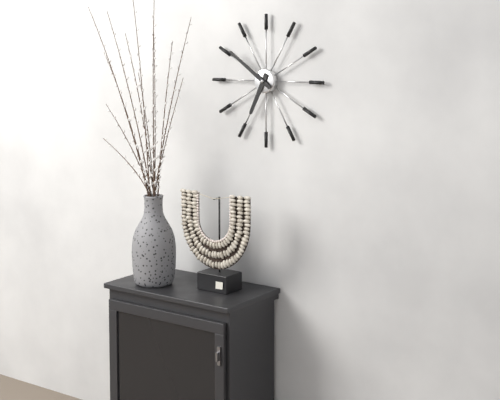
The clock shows **6:51**
